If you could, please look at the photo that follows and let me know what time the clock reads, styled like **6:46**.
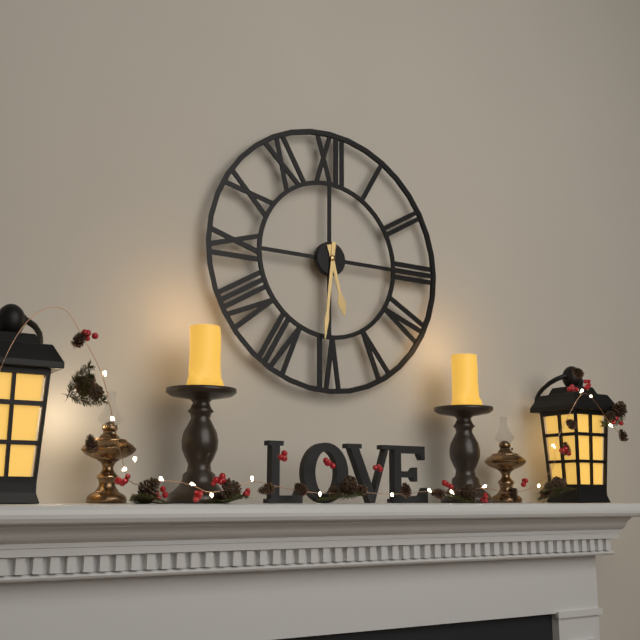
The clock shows **5:31**
